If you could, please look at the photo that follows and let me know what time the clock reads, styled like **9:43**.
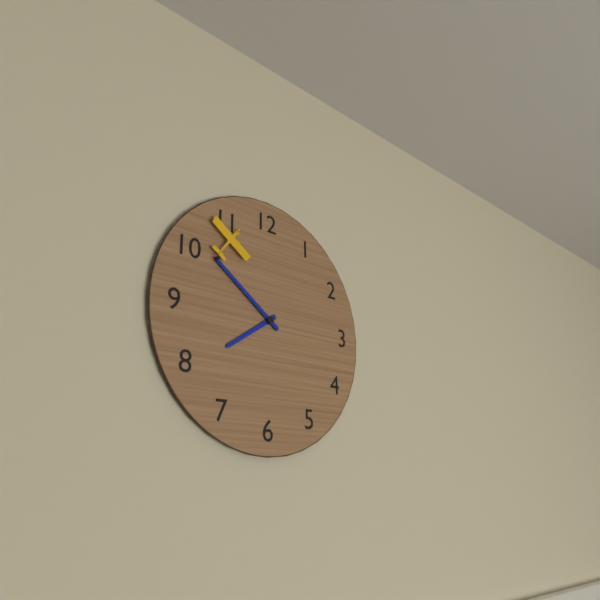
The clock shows **7:51**
